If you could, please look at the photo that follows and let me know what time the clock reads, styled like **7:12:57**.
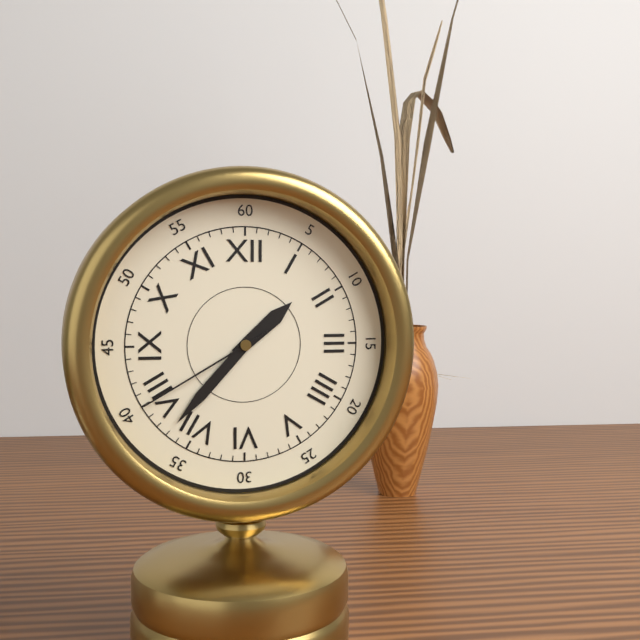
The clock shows **1:37:40**
